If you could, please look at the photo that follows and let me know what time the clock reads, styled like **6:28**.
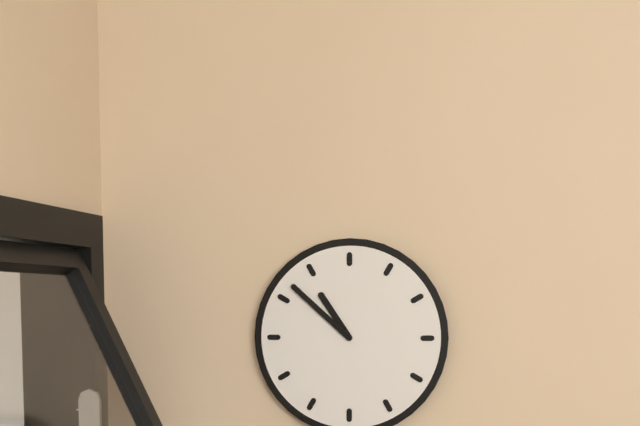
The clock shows **10:52**
